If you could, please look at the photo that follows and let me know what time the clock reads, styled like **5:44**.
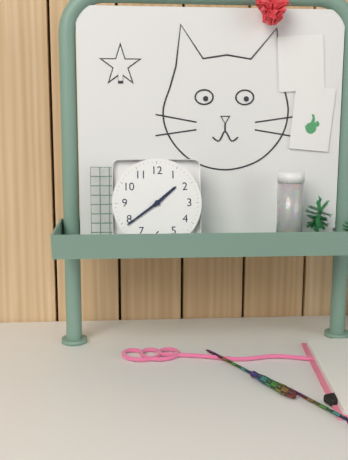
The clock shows **1:39**
